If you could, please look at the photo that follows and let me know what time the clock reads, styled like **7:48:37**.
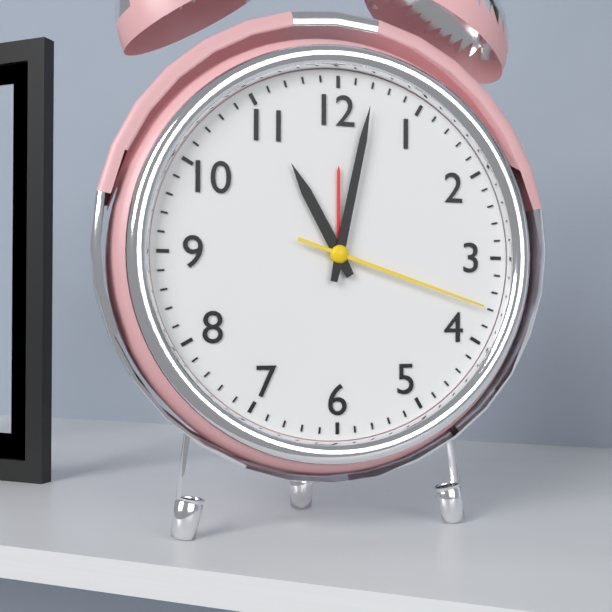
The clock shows **11:02:18**
